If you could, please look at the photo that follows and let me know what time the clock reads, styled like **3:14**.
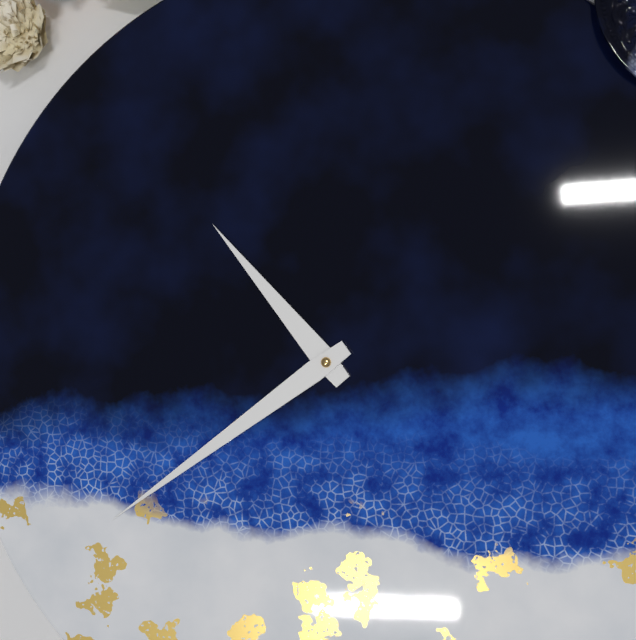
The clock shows **10:39**
